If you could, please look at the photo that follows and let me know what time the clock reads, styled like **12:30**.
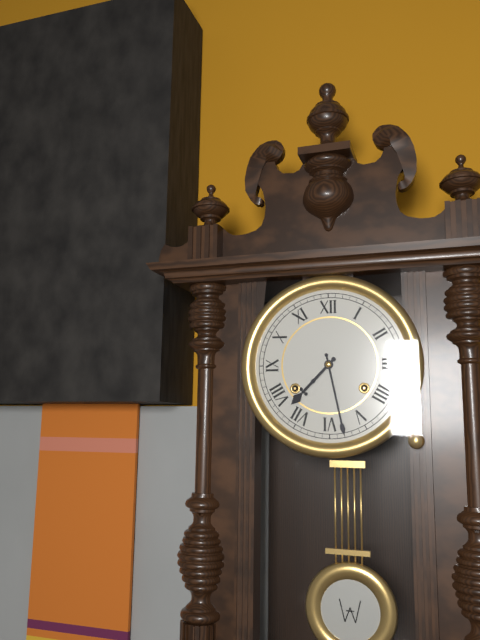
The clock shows **7:28**
